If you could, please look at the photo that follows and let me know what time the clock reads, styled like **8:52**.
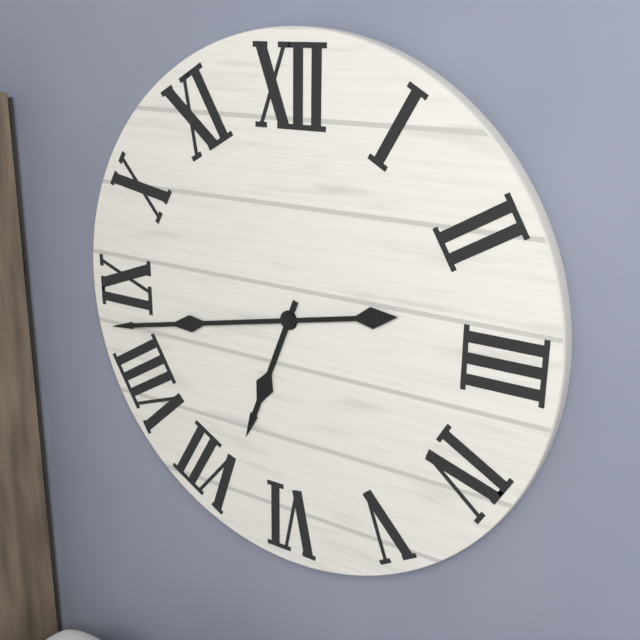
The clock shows **6:43**
